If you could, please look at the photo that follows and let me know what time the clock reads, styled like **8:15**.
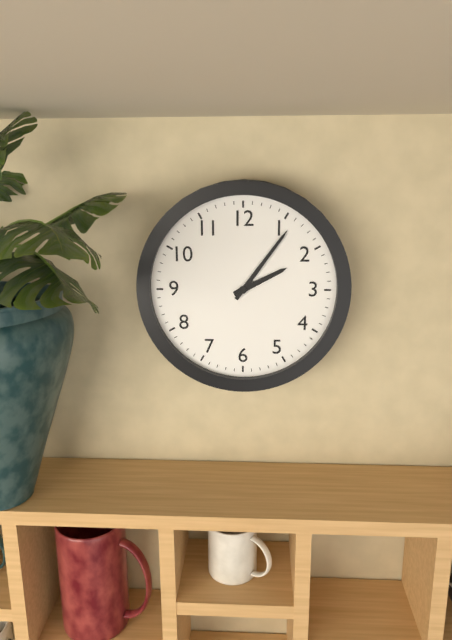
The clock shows **2:06**
